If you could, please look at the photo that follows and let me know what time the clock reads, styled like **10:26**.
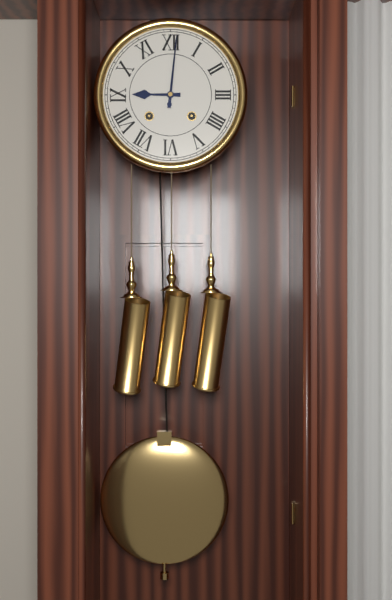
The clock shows **9:01**
